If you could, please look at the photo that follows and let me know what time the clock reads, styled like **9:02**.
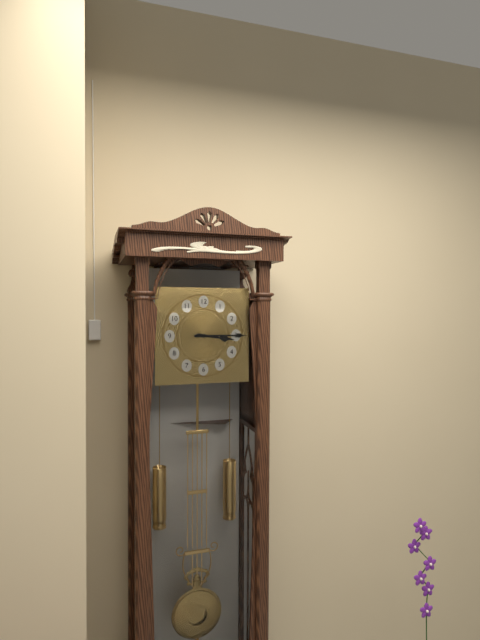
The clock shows **3:15**
